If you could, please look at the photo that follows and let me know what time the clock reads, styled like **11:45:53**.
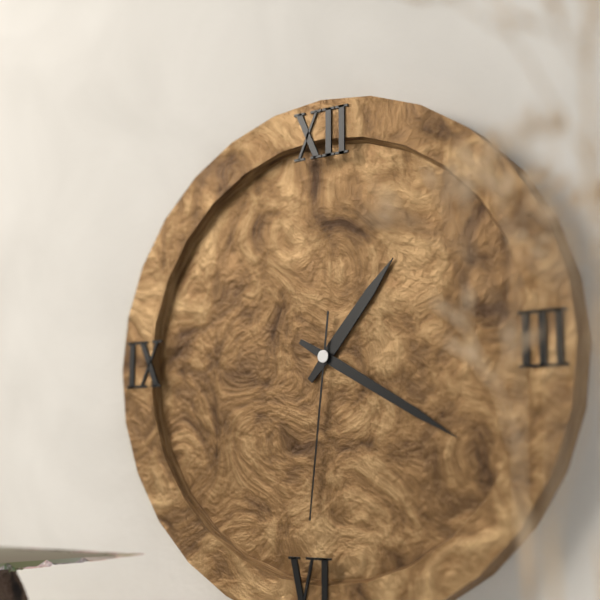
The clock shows **1:20:31**
